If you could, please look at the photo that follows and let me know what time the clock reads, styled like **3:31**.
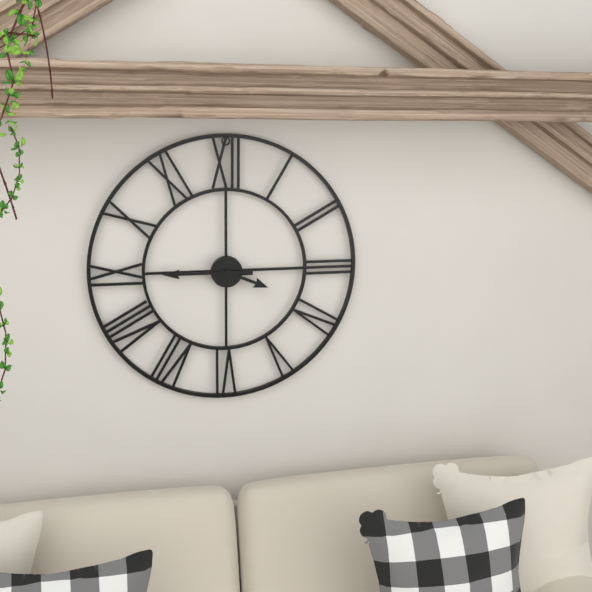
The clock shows **3:45**
